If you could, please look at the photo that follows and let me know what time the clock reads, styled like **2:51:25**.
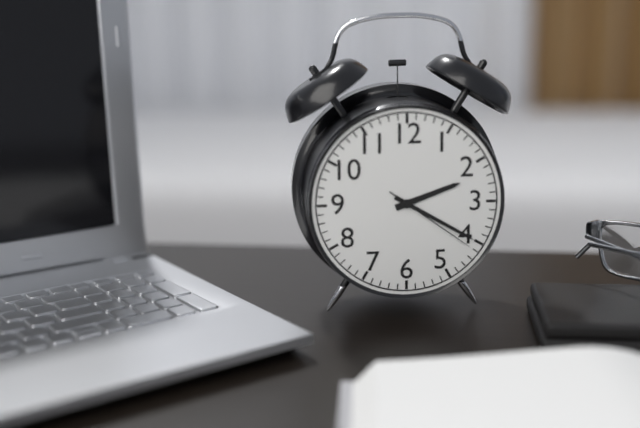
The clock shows **2:20:21**
